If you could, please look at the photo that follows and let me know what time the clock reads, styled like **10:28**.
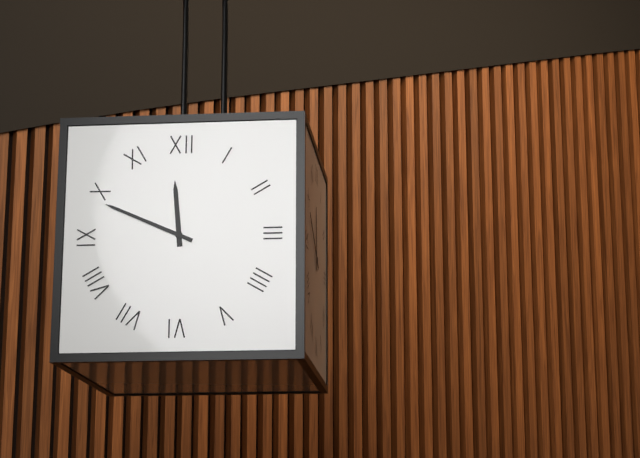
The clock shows **11:49**
